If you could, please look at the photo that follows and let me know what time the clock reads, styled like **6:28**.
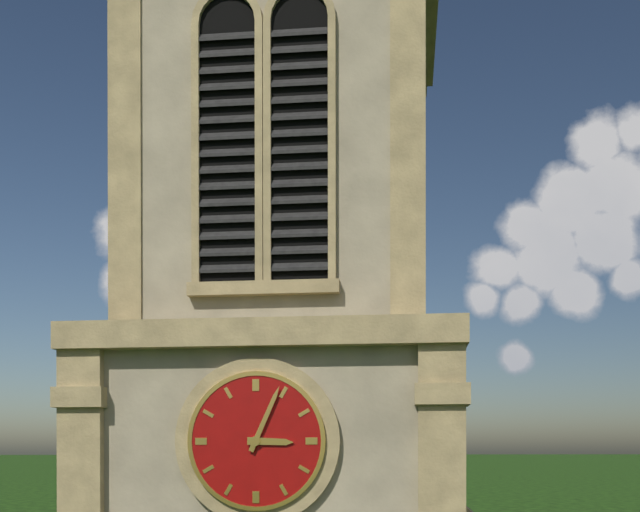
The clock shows **3:04**
